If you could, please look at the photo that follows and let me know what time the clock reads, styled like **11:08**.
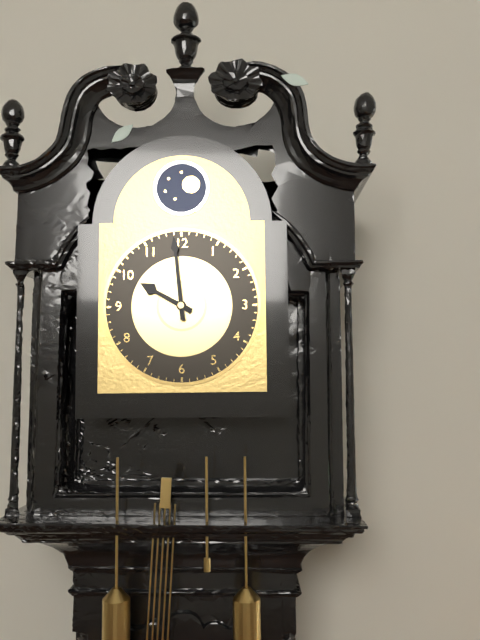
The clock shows **9:59**
